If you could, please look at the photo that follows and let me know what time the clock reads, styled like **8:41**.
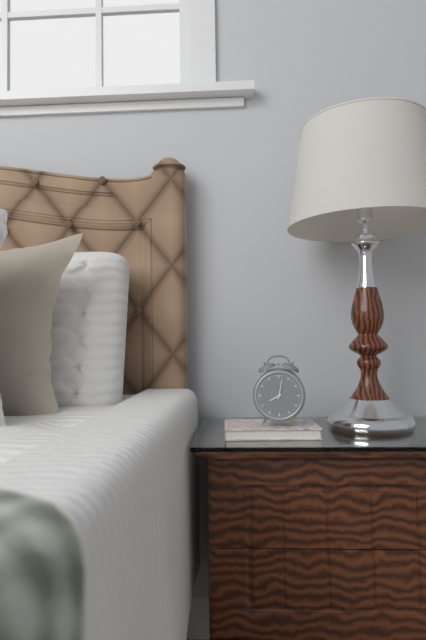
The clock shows **8:02**
